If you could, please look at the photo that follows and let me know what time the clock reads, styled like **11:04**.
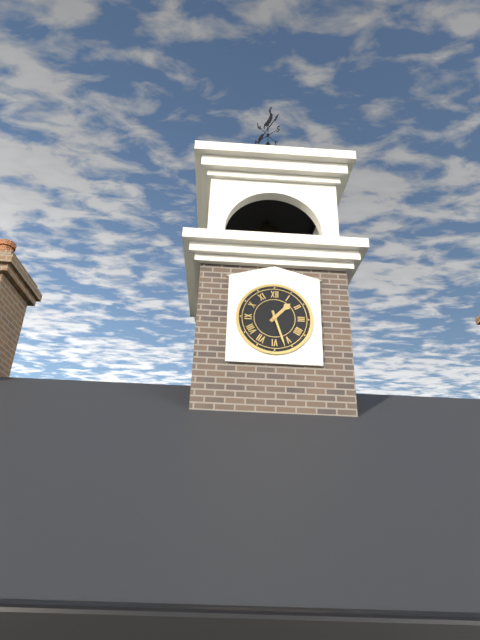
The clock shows **1:27**
